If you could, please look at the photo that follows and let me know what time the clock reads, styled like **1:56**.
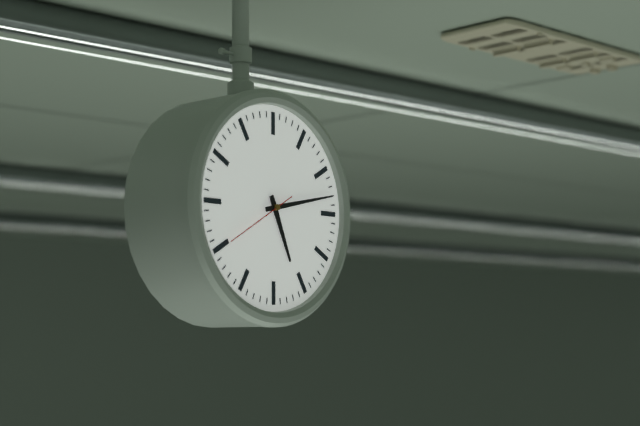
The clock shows **5:13**
